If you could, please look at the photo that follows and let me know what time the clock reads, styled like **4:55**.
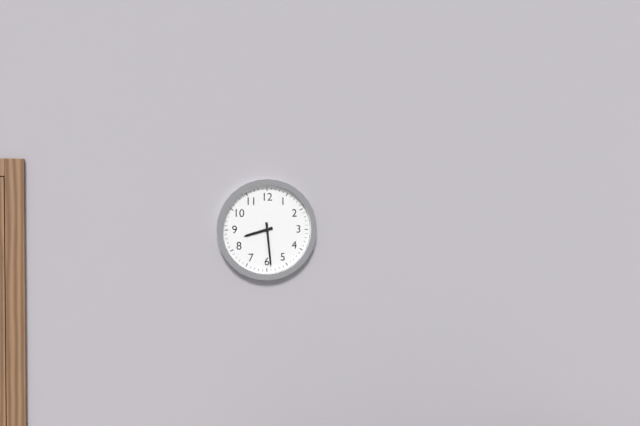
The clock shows **8:29**
